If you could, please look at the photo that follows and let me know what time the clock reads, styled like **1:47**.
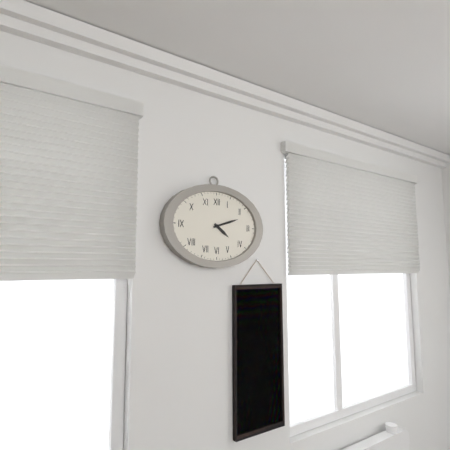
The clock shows **4:12**
